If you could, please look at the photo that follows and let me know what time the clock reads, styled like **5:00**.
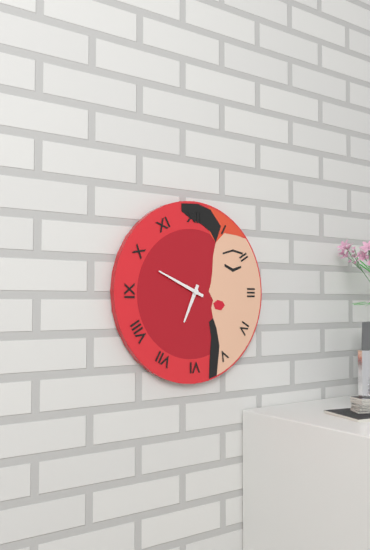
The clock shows **6:49**
